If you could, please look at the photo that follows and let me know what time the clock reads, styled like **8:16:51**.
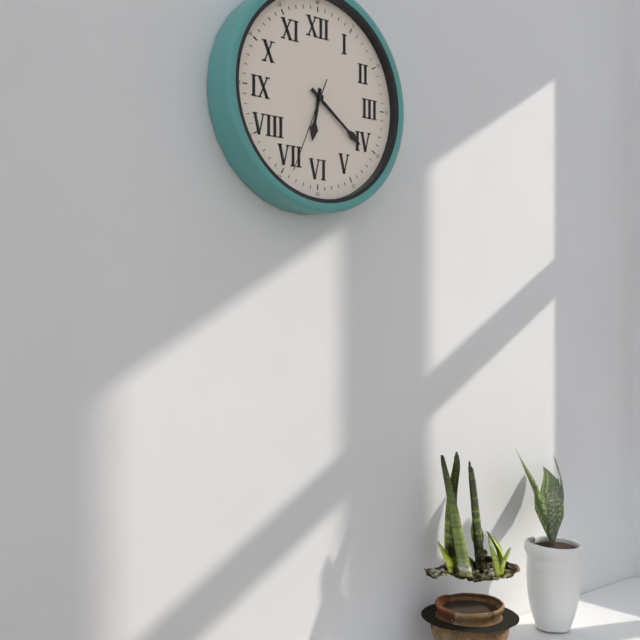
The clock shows **6:21:34**
